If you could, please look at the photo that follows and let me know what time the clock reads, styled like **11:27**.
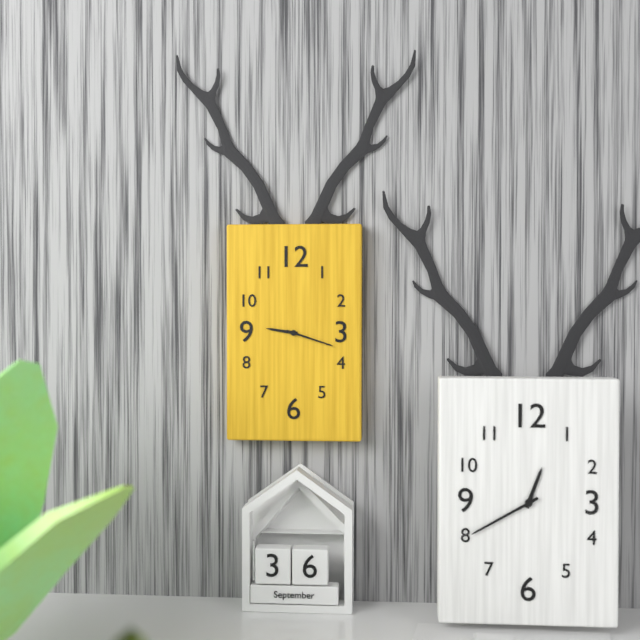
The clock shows **9:18**
